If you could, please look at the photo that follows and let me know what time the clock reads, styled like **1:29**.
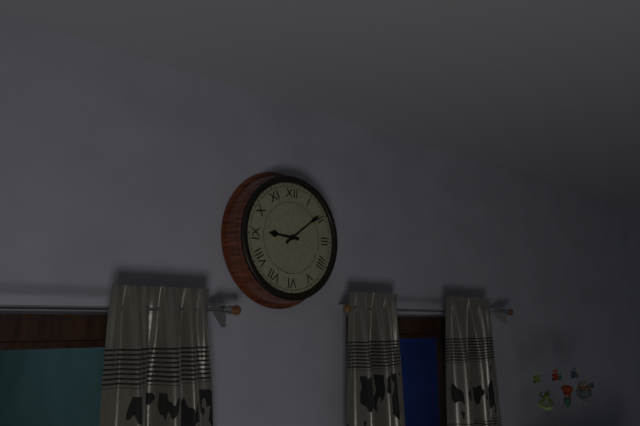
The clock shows **9:09**
